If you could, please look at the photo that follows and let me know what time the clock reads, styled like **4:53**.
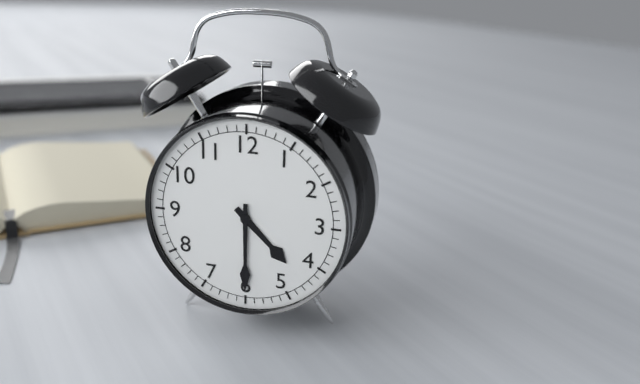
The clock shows **4:30**
